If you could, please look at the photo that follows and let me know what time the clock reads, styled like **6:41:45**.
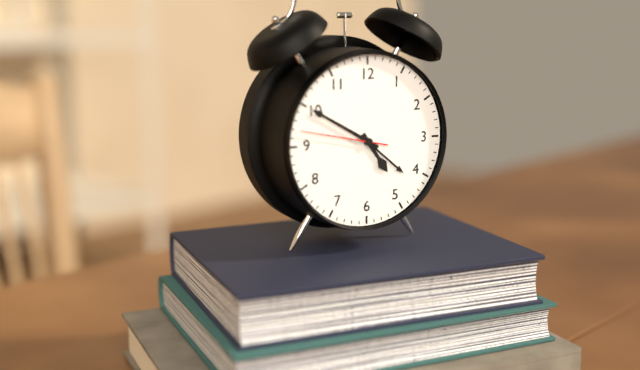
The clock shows **4:50:47**
